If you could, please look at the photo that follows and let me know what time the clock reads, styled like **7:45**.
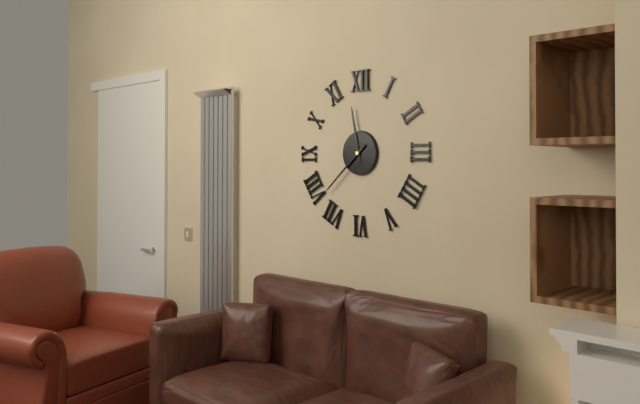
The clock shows **11:38**
